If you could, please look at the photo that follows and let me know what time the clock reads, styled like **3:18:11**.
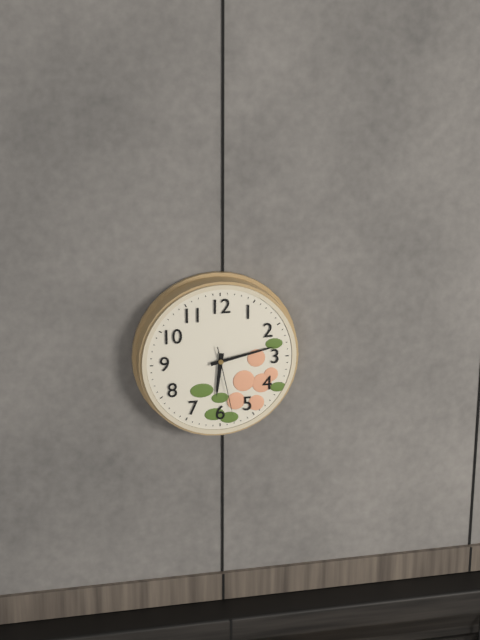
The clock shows **6:13:28**
